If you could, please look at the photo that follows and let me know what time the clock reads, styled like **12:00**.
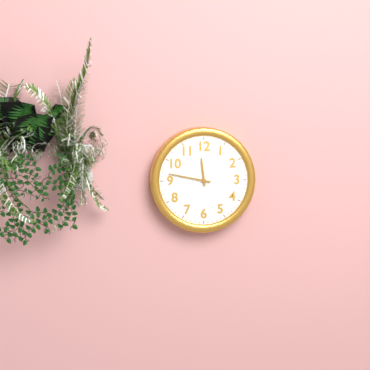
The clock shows **11:47**
